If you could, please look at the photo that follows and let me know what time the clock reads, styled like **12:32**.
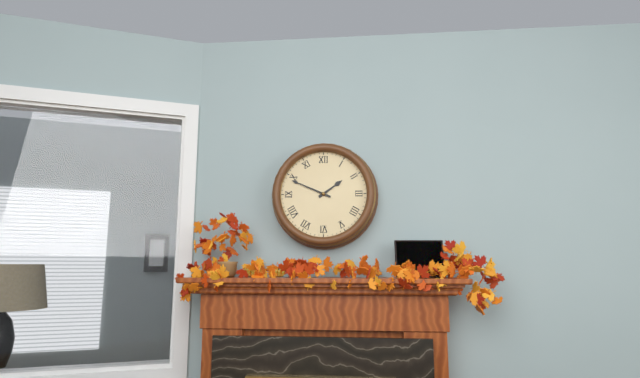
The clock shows **1:49**
